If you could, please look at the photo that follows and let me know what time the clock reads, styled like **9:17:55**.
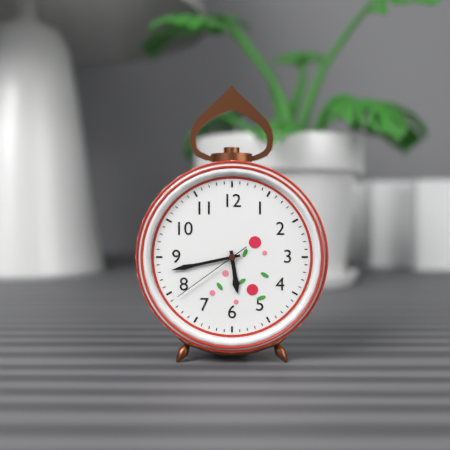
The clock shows **5:43:39**
